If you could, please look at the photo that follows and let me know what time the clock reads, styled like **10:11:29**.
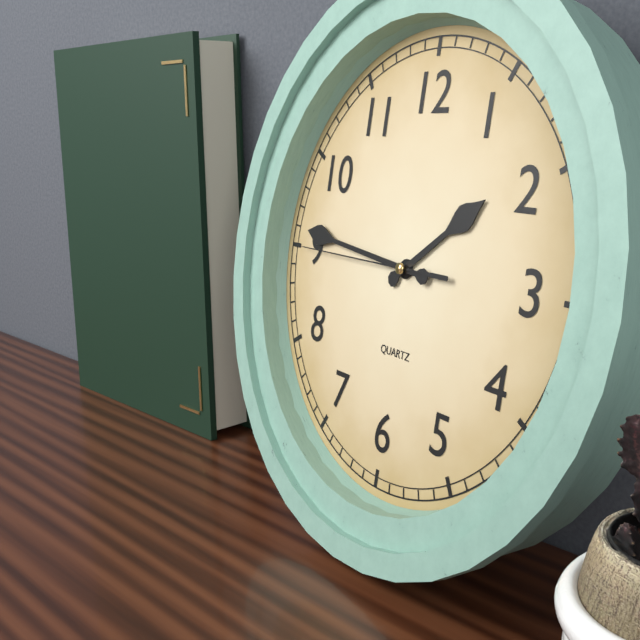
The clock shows **1:46:45**
